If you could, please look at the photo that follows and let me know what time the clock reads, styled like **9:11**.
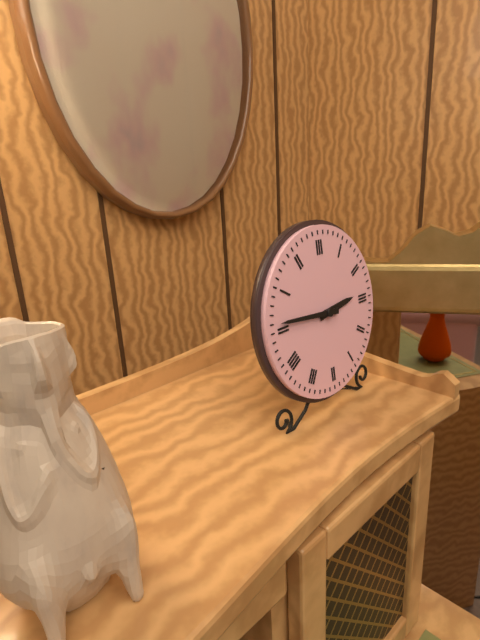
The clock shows **2:46**
